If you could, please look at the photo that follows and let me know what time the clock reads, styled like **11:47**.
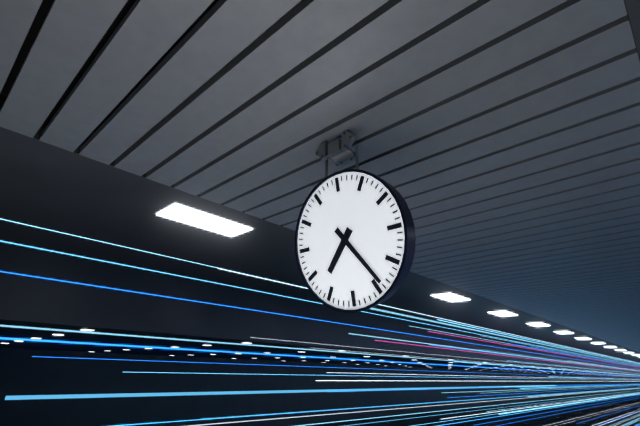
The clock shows **7:24**
